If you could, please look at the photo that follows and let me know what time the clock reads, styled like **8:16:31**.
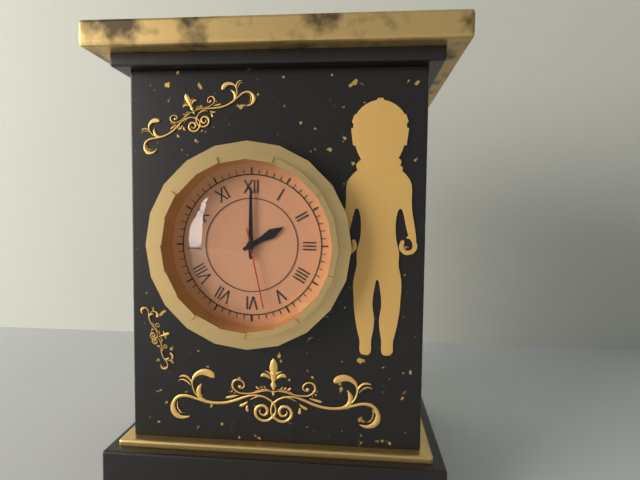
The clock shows **2:00:28**
